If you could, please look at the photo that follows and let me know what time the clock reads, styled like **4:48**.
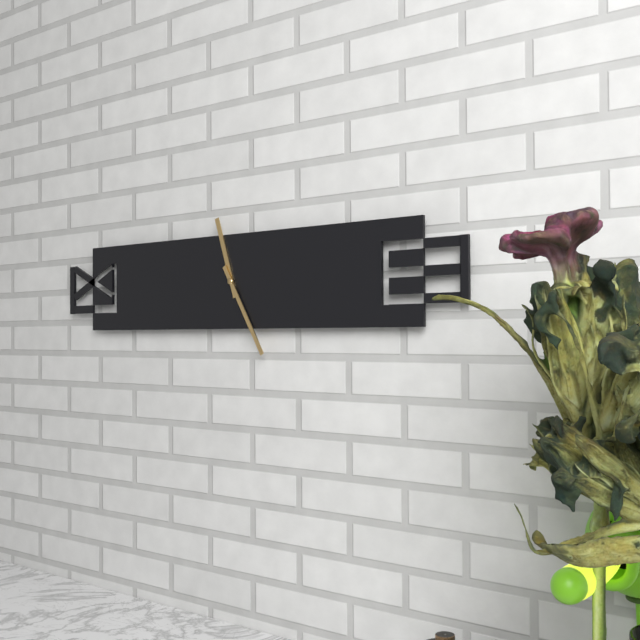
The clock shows **11:25**
